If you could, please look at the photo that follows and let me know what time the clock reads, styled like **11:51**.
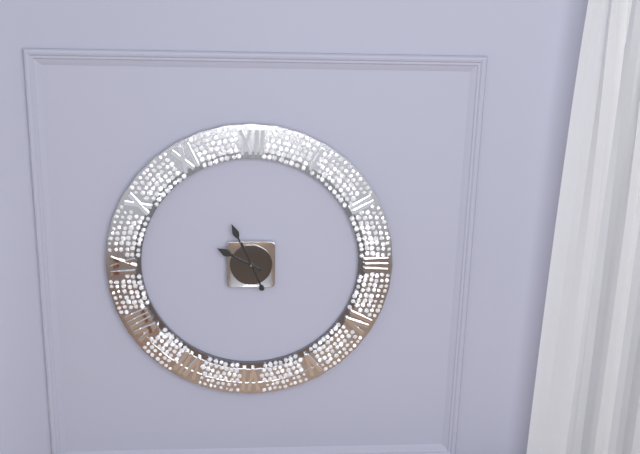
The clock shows **9:56**
